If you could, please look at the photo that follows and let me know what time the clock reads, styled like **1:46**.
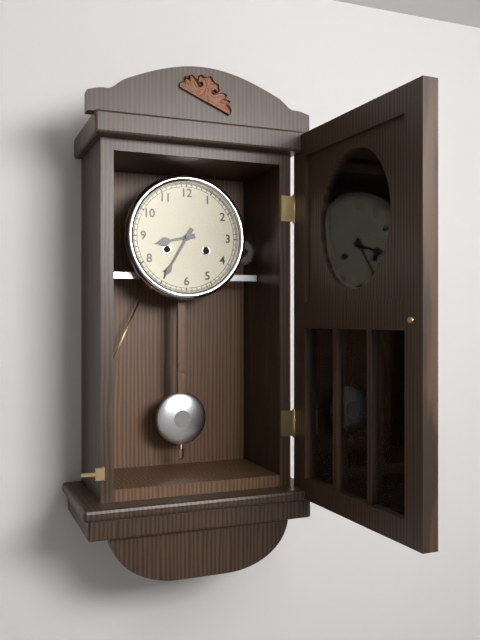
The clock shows **8:35**
